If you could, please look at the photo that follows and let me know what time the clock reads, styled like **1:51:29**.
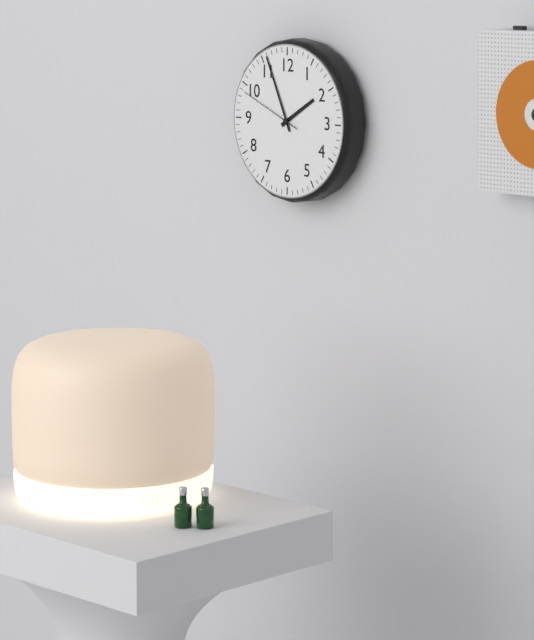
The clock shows **1:56:49**
